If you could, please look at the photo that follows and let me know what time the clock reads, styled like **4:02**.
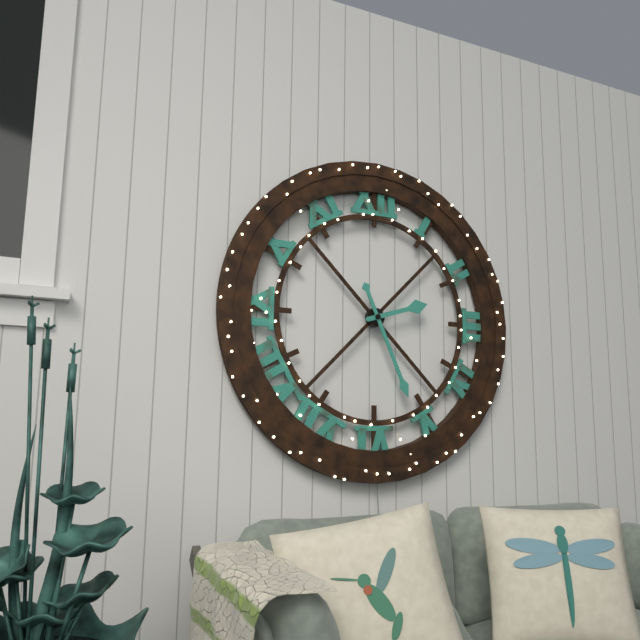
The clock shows **2:26**
